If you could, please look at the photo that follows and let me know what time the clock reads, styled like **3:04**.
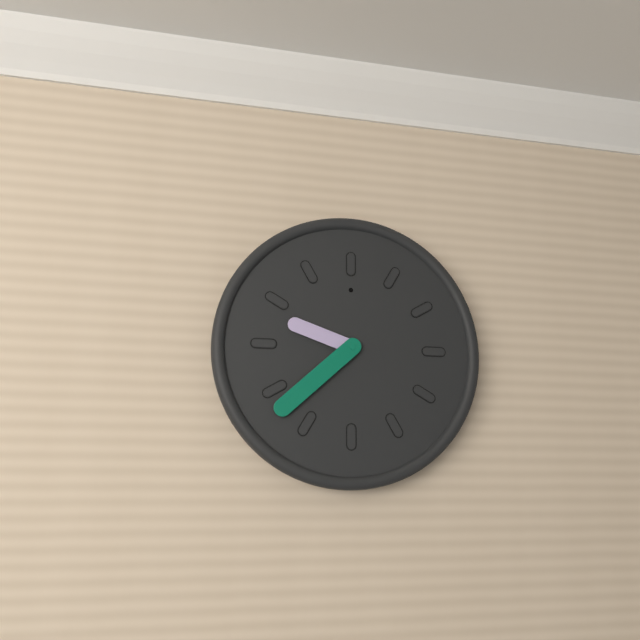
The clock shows **9:38**
